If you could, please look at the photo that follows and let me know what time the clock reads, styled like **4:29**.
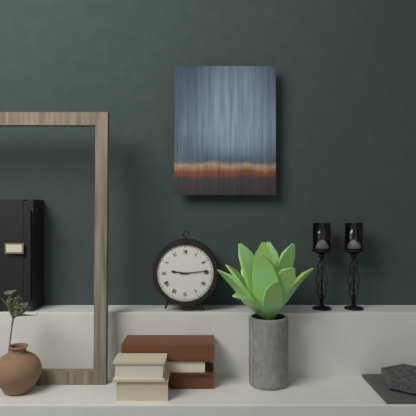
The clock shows **9:14**
